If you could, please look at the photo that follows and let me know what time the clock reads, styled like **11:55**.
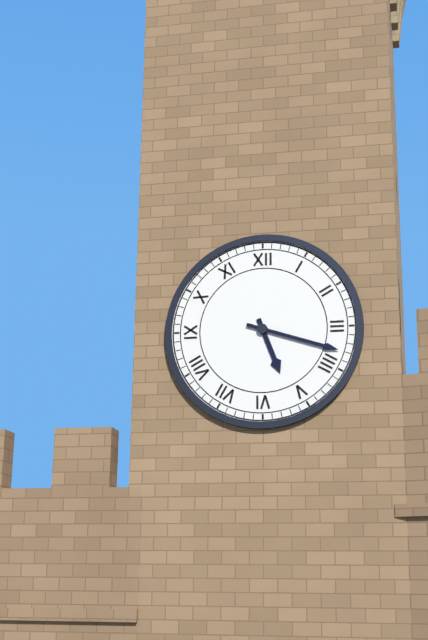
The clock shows **5:18**
